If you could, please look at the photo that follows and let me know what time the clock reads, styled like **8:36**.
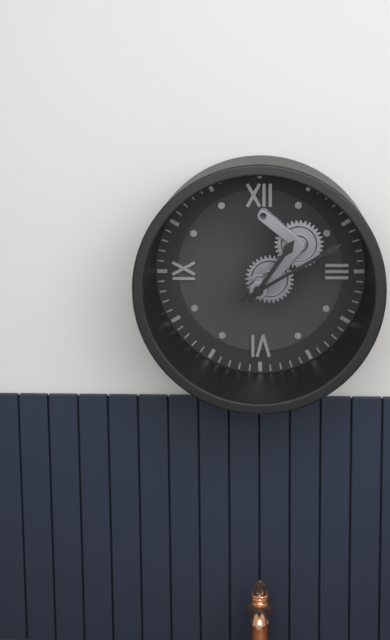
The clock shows **1:10**
